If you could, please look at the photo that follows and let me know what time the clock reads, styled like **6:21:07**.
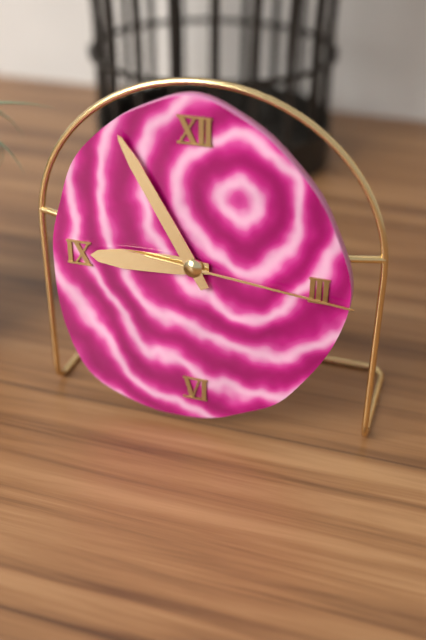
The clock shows **8:55:16**
